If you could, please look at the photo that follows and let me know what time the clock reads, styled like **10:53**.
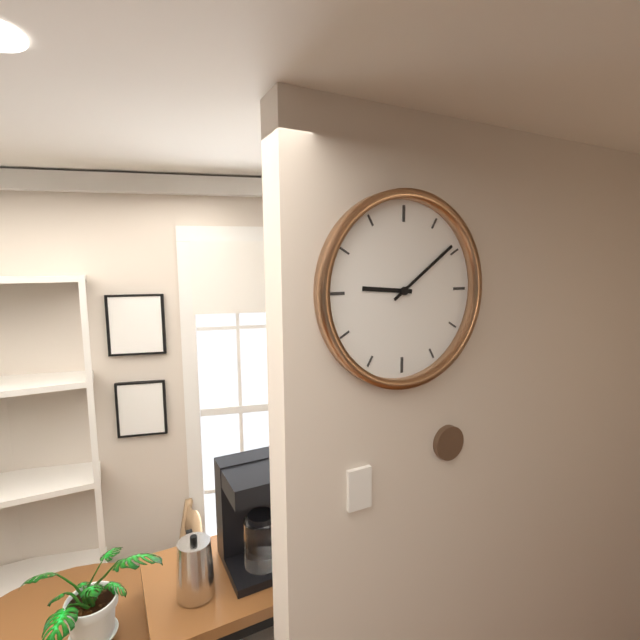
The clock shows **9:09**
